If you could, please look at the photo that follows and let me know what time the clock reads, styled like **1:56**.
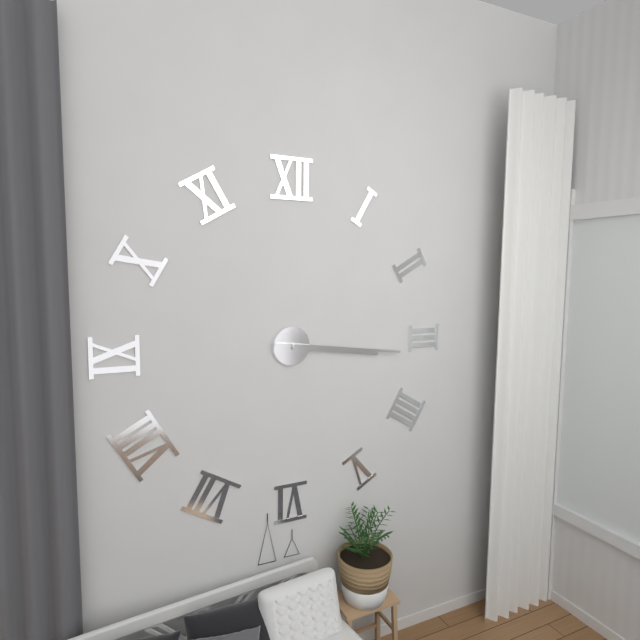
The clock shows **3:16**
